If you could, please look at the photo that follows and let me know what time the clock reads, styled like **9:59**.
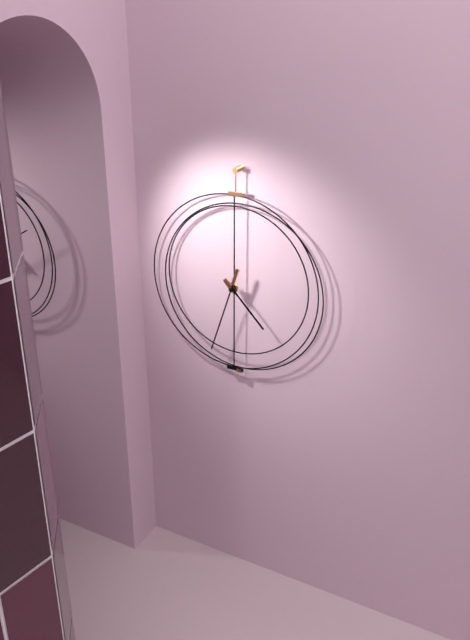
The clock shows **4:33**
